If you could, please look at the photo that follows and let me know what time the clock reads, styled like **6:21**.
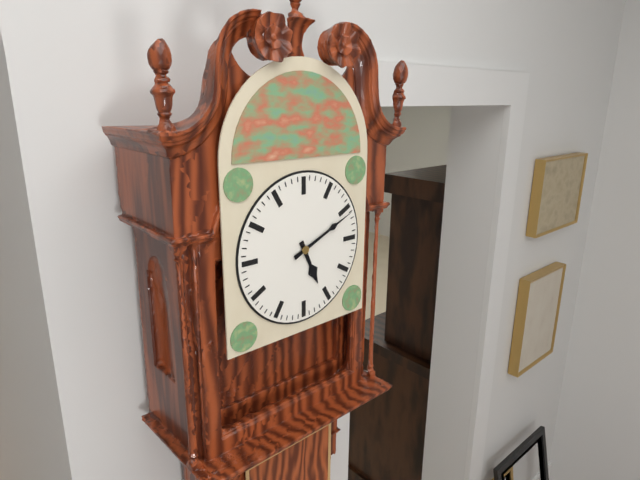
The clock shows **5:11**
